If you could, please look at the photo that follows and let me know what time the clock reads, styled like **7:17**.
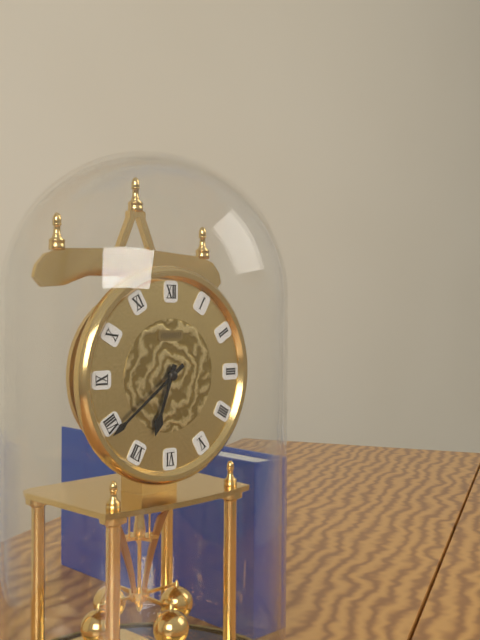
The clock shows **6:39**
